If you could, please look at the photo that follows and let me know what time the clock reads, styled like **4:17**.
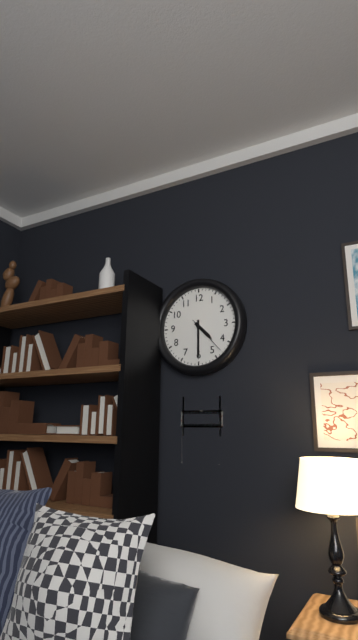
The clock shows **4:30**
